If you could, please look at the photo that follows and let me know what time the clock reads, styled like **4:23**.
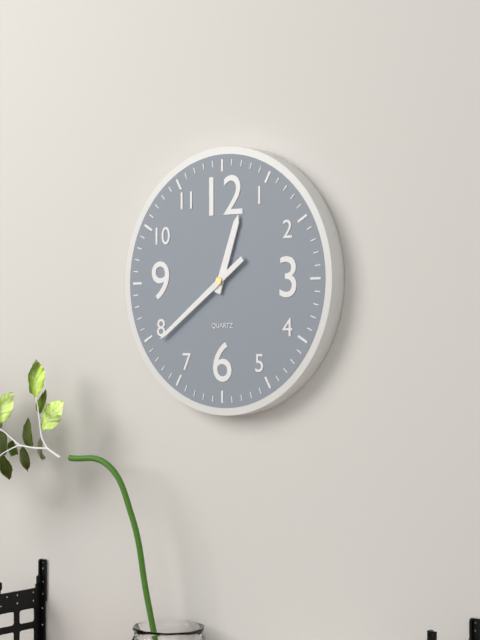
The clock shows **12:39**
